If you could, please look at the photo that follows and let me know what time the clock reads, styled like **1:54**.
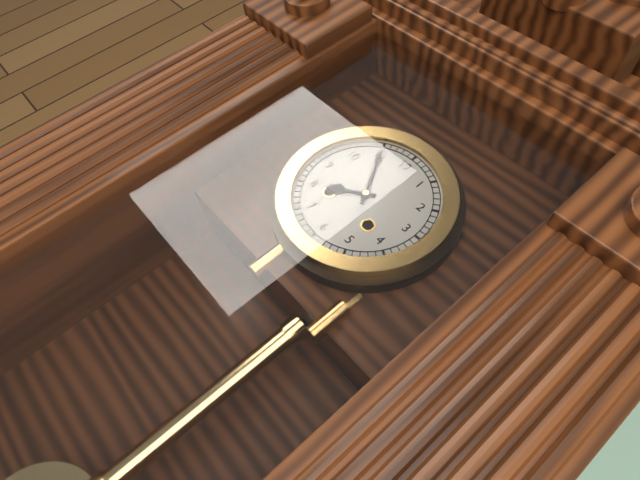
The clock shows **7:55**
